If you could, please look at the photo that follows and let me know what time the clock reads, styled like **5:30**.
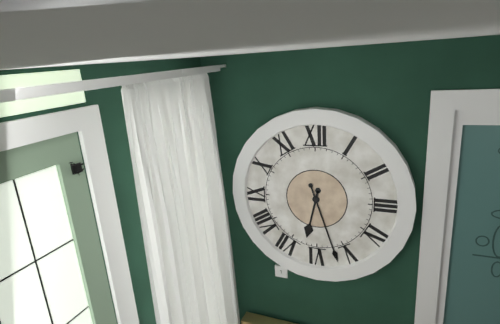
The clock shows **6:27**
